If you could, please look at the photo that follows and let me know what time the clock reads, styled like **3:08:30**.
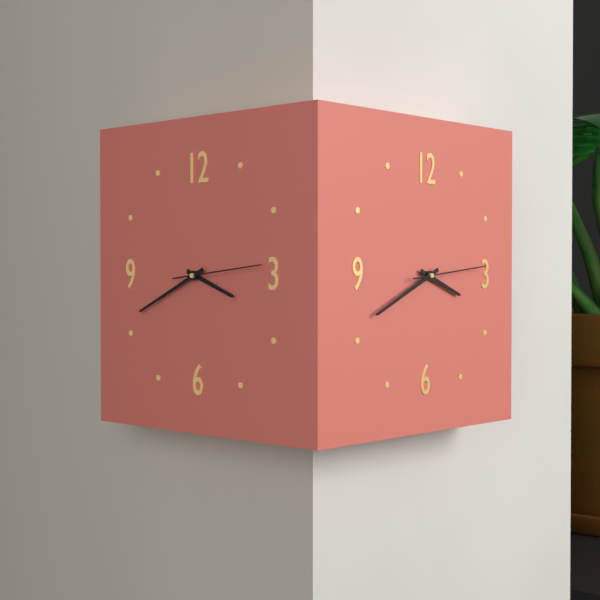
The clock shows **3:41:14**
